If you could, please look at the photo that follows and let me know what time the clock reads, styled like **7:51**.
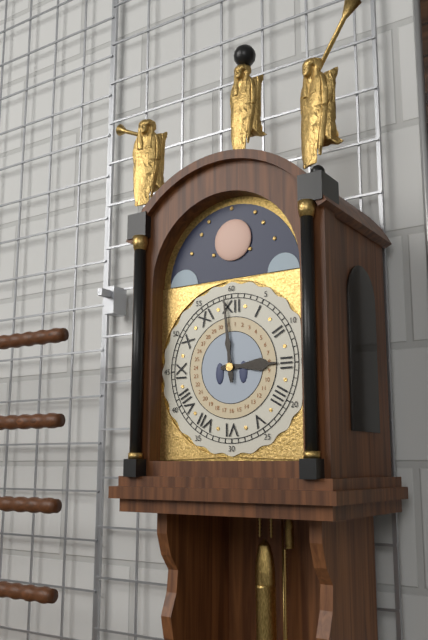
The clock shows **2:59**
